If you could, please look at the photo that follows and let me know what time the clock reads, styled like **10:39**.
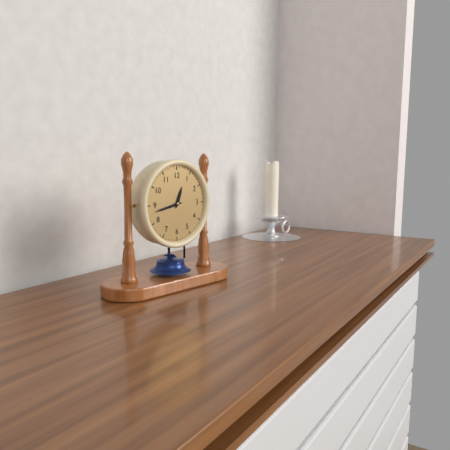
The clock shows **12:43**
